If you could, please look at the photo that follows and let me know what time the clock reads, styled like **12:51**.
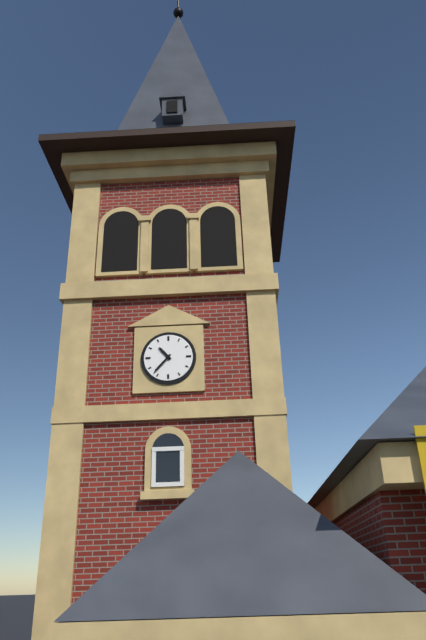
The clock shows **10:37**
